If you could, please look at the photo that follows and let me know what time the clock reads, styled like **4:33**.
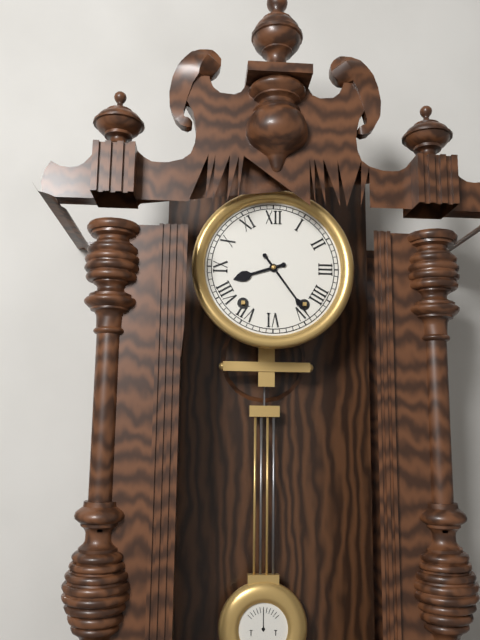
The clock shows **8:24**
